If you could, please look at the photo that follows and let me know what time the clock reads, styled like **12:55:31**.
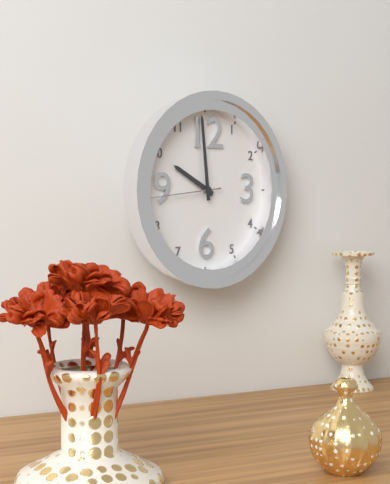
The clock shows **9:59:44**
